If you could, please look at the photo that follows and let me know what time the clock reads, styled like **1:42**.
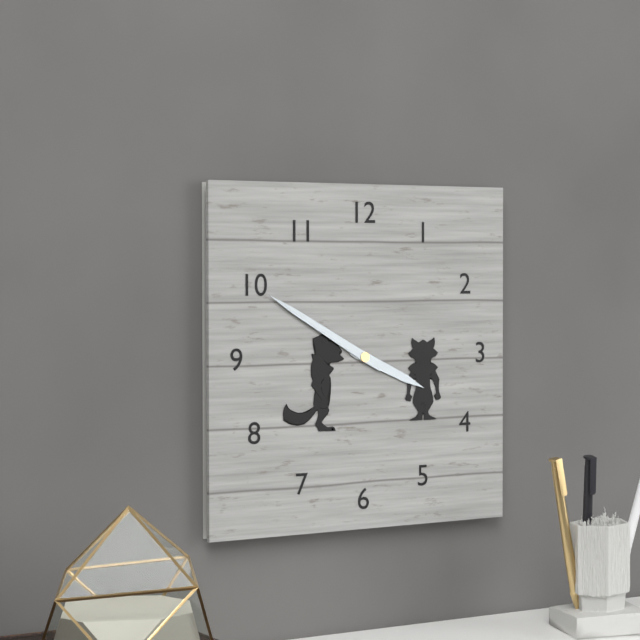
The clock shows **3:50**
